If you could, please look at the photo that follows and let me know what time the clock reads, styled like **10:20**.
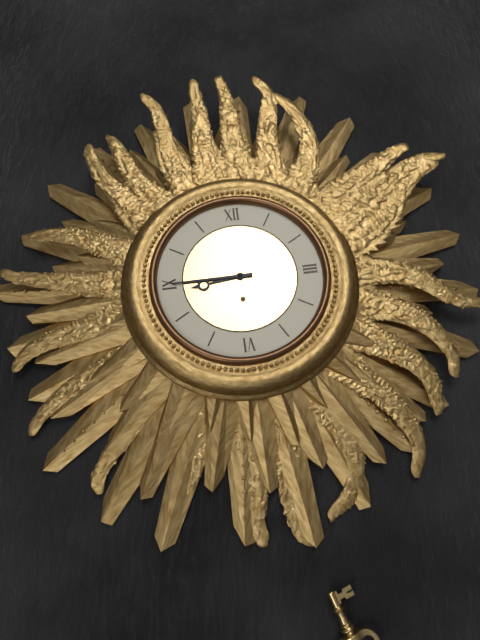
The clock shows **8:45**
